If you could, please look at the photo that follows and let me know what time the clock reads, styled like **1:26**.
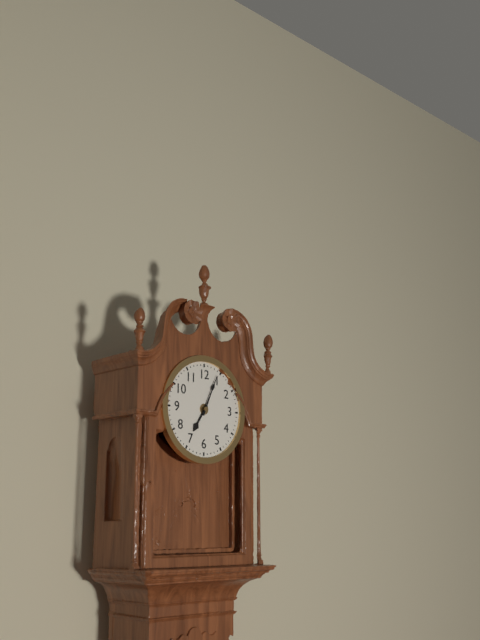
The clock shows **7:04**
